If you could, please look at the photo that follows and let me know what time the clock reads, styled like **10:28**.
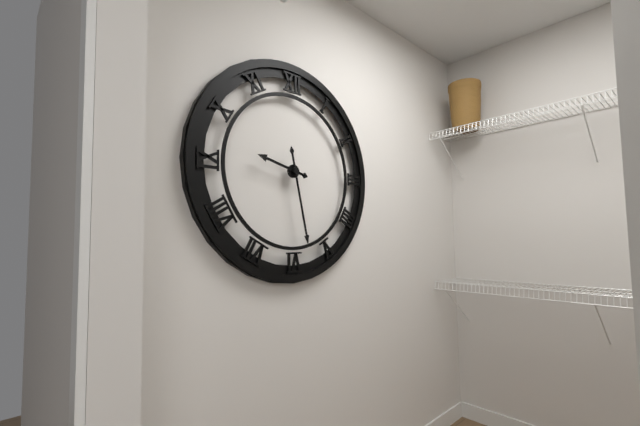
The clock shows **9:28**
